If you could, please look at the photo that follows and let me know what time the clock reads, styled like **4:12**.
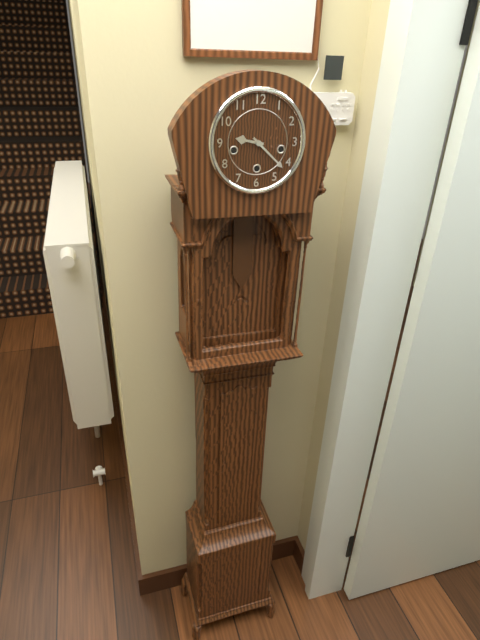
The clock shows **9:22**
